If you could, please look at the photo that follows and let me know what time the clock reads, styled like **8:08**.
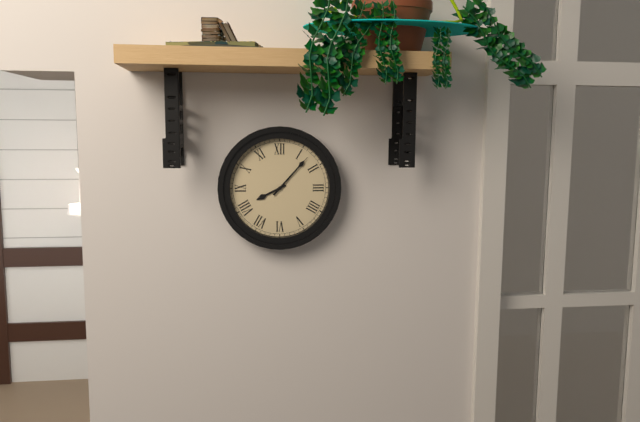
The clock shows **8:07**
